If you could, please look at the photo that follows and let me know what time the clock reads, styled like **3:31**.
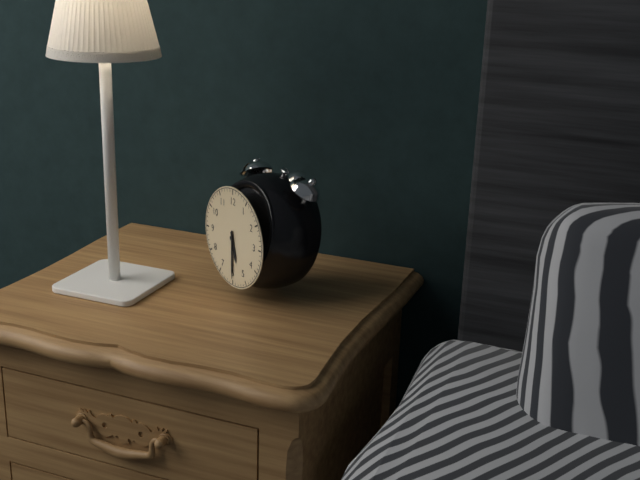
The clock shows **5:30**
